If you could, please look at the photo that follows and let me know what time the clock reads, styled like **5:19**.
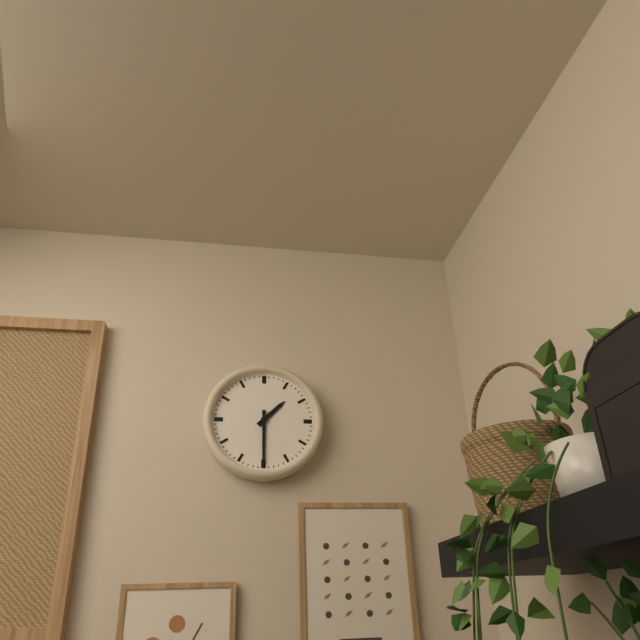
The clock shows **1:30**
